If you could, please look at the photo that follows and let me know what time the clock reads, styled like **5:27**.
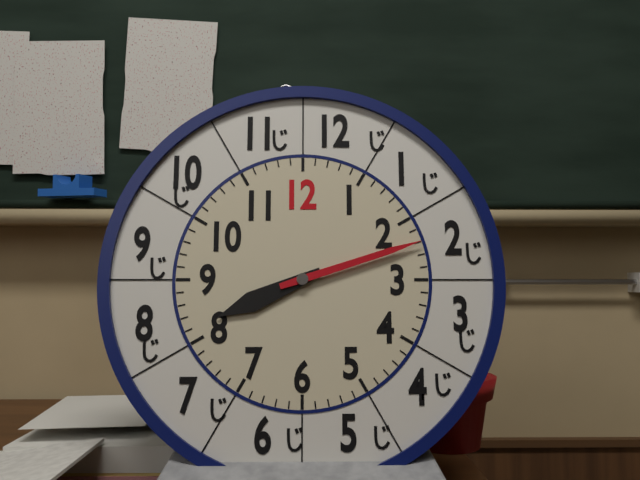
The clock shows **8:12**
